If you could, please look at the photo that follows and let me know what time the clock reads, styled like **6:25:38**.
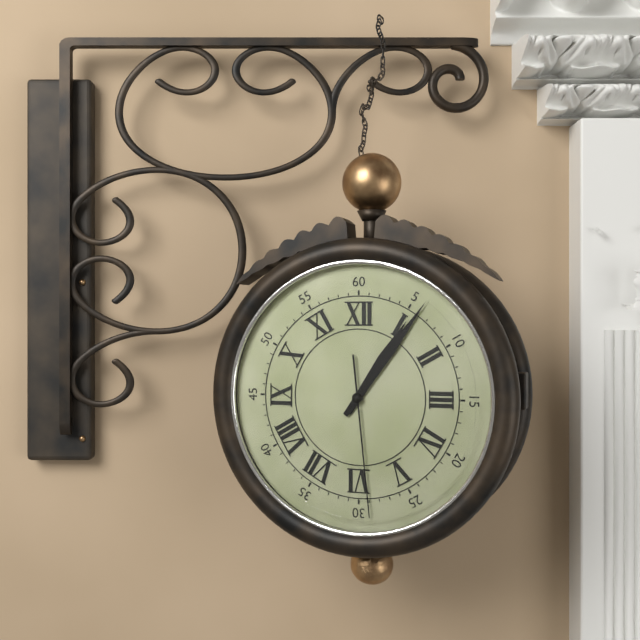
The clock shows **1:06:29**
